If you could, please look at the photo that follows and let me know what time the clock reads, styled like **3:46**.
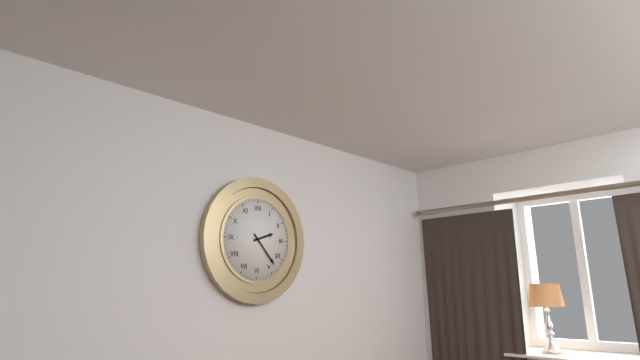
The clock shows **2:23**
